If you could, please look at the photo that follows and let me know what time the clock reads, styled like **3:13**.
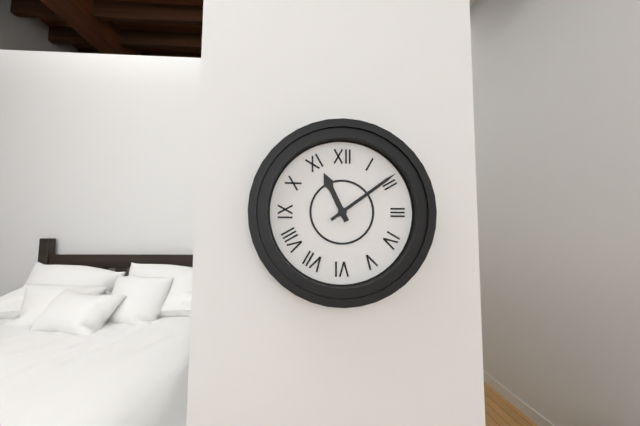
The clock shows **11:09**
